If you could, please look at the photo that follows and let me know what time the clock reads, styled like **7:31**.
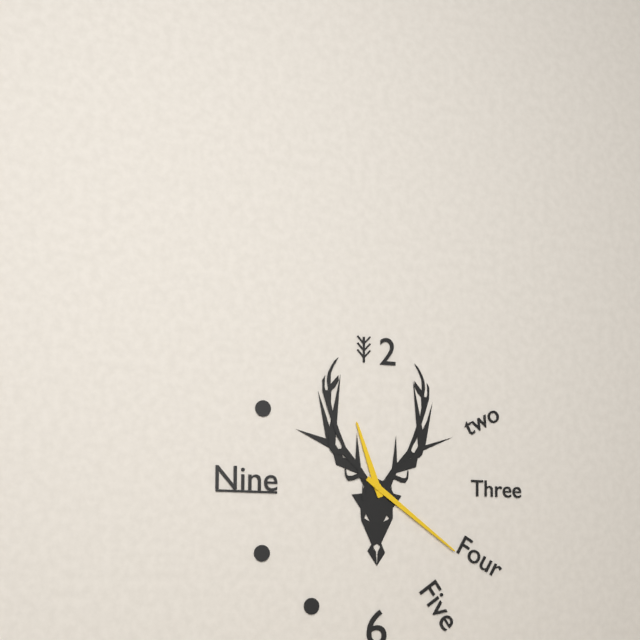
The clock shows **11:21**
